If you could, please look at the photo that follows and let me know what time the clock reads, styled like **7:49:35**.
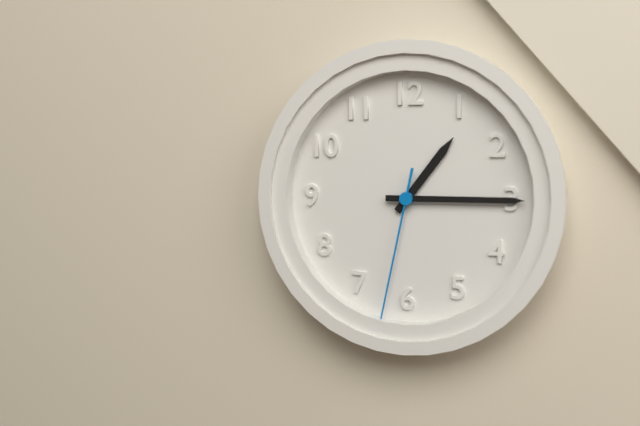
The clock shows **1:15:32**
